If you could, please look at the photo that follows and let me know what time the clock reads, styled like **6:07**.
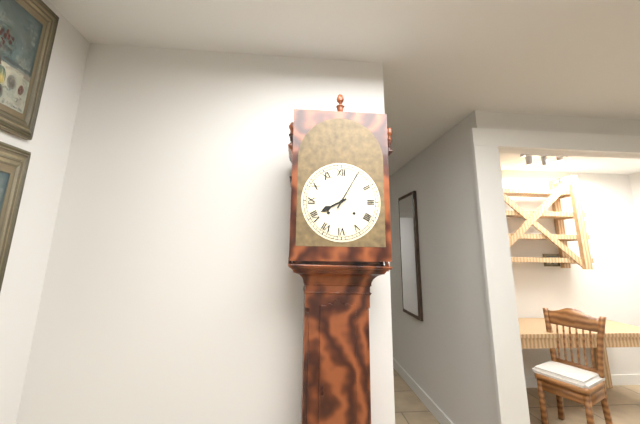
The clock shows **8:05**
